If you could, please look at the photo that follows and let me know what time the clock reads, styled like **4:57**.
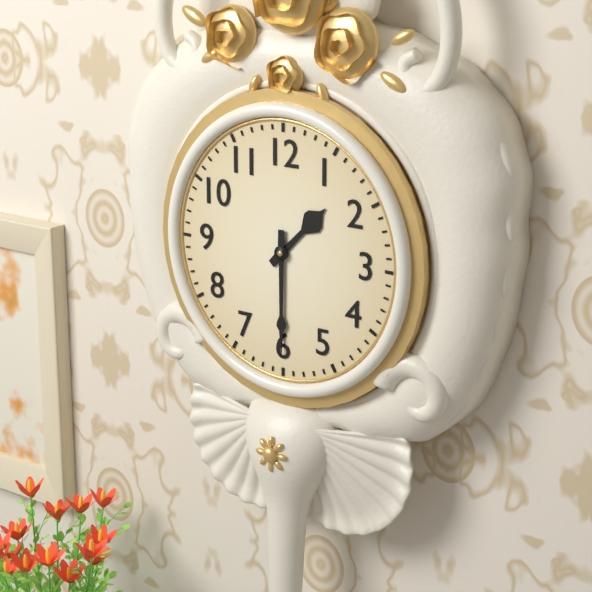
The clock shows **1:30**
